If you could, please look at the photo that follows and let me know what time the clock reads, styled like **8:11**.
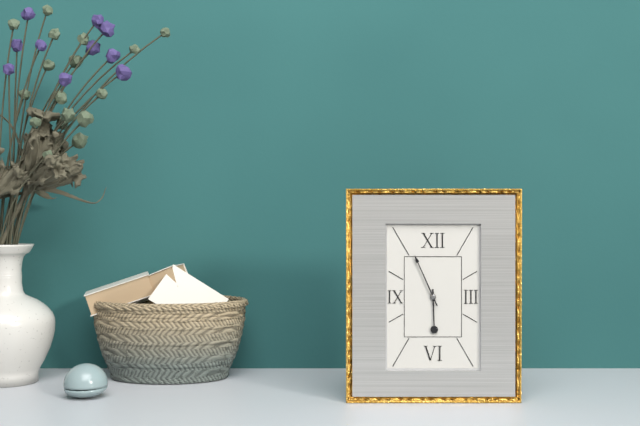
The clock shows **5:56**
